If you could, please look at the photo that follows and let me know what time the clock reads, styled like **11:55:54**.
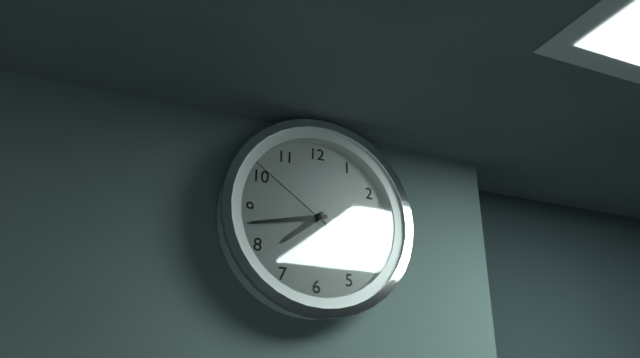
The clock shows **7:43:51**
